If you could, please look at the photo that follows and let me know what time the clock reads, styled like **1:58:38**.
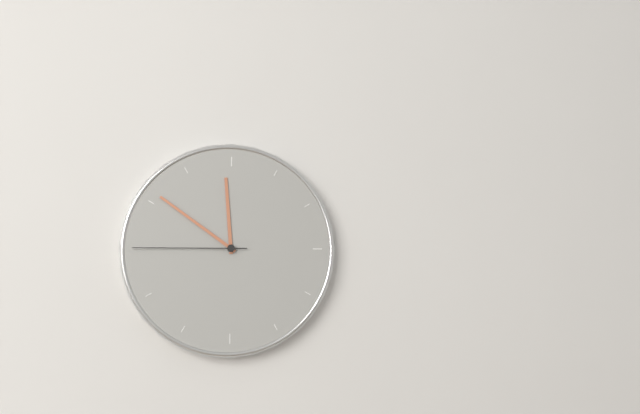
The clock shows **11:51:45**
